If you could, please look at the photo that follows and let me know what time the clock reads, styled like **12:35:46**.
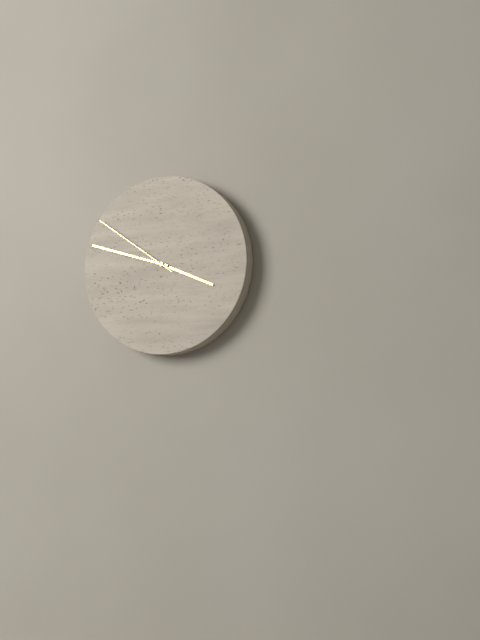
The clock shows **3:48:51**
